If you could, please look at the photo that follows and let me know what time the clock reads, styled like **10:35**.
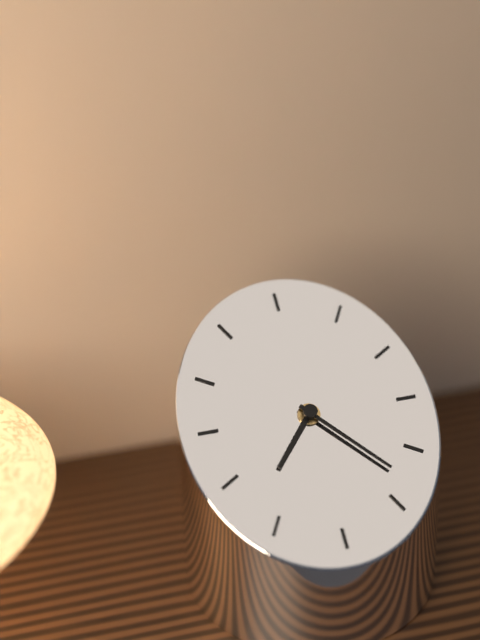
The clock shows **7:23**
